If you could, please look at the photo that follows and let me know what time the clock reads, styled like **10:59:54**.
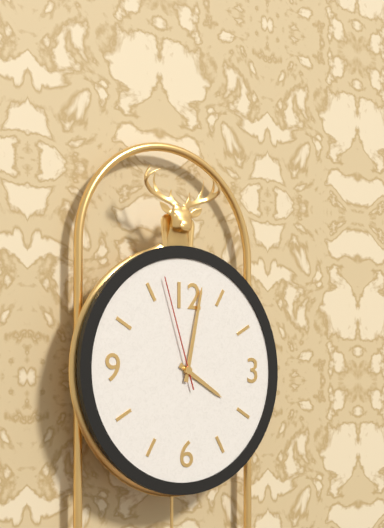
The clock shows **4:02:57**
